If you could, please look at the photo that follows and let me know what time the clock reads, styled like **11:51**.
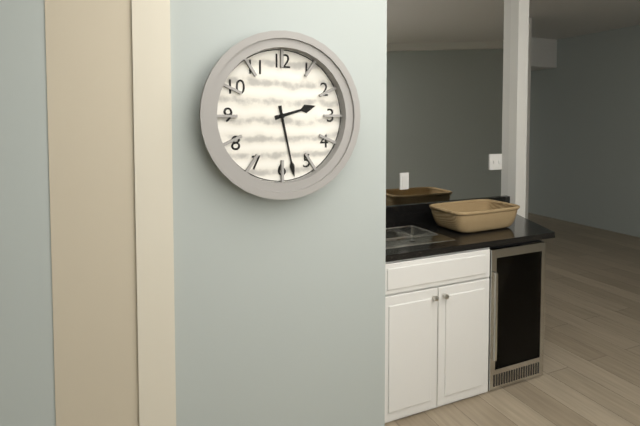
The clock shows **2:28**
